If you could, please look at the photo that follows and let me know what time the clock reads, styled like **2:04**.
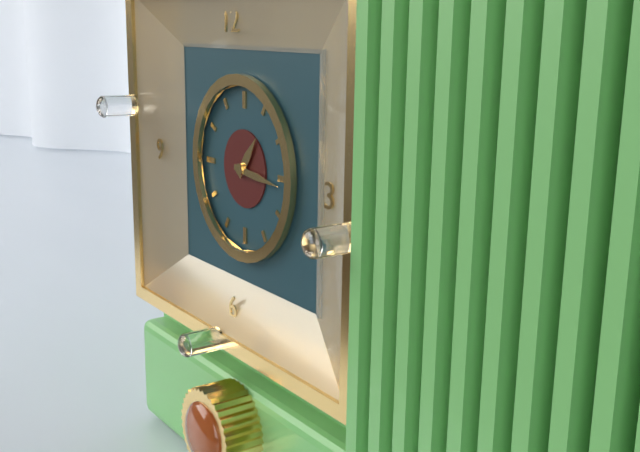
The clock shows **1:16**
